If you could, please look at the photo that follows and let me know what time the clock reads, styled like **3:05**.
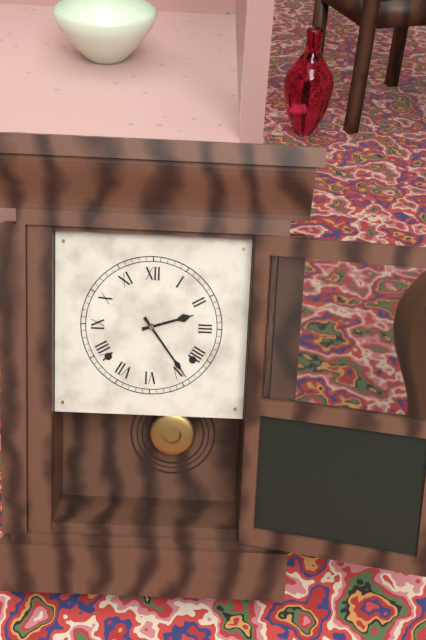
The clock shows **2:24**
